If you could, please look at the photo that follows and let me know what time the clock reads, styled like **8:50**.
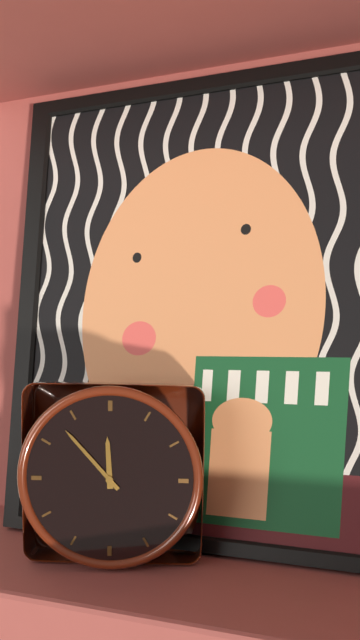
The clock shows **11:53**
